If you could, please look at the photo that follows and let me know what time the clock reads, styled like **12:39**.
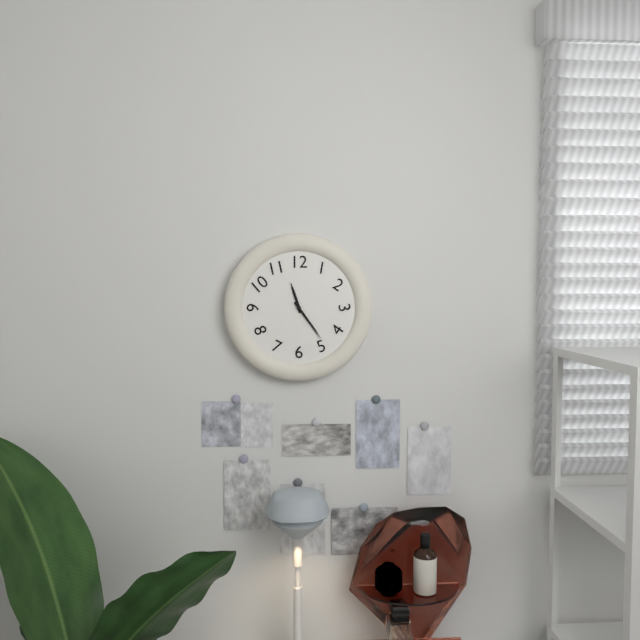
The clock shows **11:24**
